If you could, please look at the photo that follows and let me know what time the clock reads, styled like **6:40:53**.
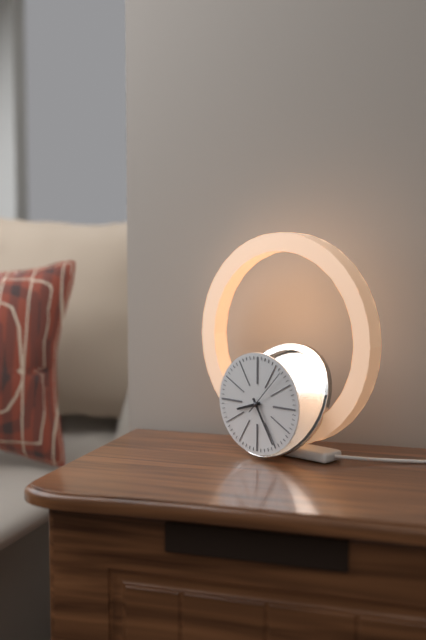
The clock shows **8:25:07**
